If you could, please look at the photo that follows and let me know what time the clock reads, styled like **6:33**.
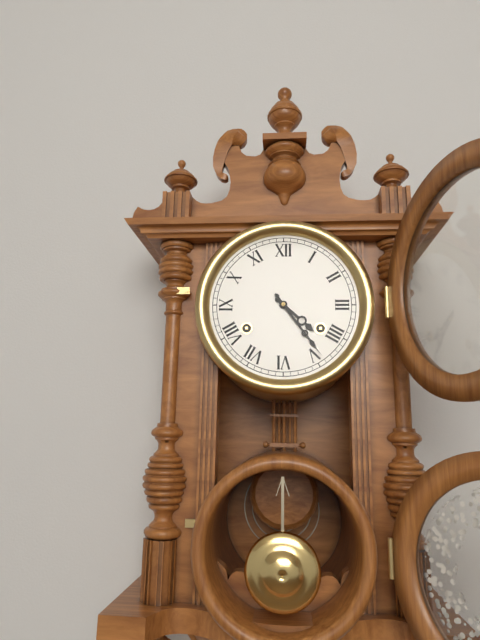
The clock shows **4:24**
